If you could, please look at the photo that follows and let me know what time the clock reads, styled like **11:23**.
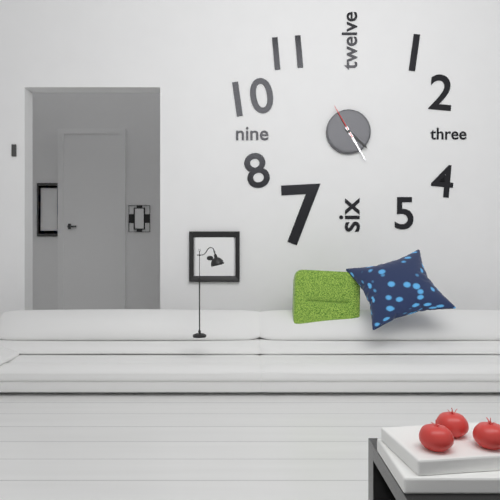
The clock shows **4:25**
